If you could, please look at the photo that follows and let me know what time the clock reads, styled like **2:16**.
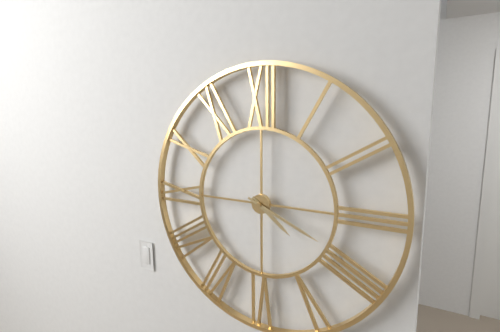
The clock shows **4:19**
